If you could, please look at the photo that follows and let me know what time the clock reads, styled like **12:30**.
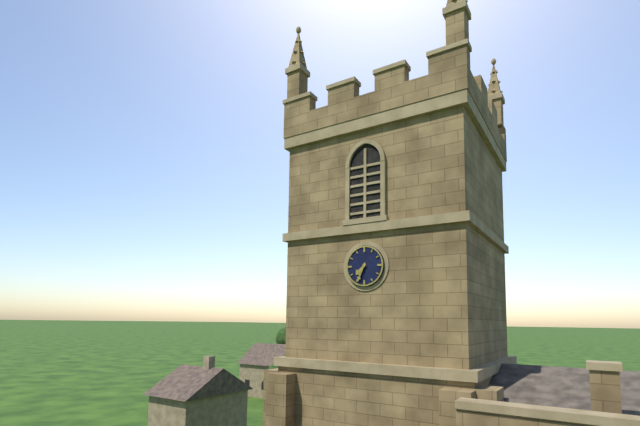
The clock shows **7:34**
